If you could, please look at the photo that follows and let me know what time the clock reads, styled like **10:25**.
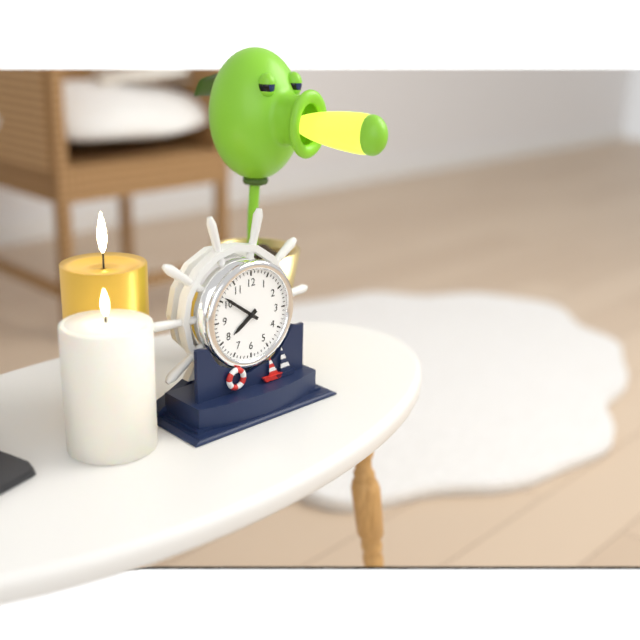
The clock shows **7:51**
